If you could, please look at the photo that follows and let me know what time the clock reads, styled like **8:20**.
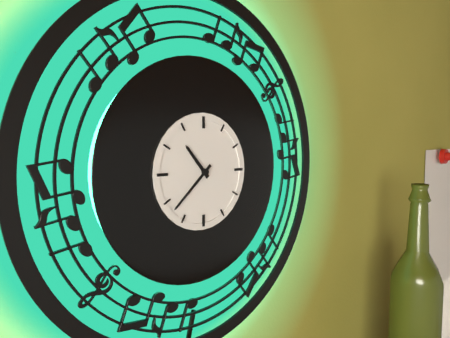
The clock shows **10:38**
